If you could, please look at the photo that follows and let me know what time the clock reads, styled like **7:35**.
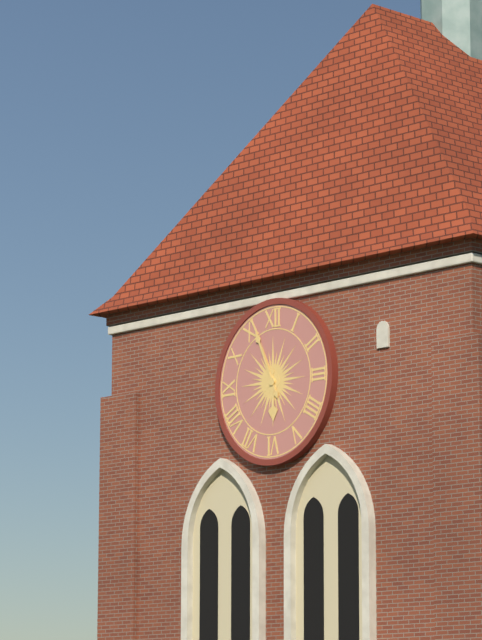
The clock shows **5:56**
